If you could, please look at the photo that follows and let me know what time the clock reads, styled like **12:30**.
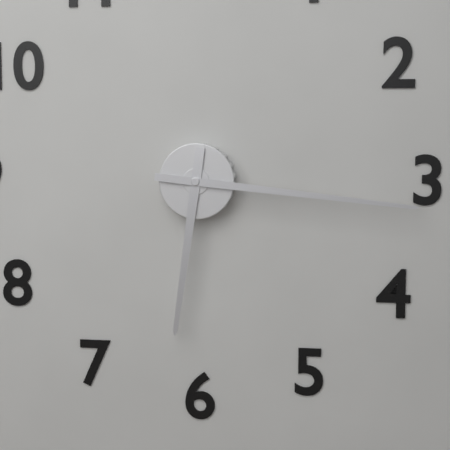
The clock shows **6:16**
